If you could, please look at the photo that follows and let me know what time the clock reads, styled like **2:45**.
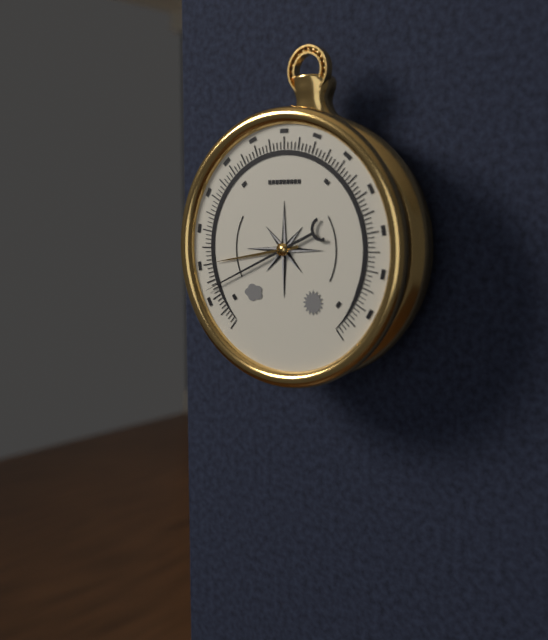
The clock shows **8:41**
